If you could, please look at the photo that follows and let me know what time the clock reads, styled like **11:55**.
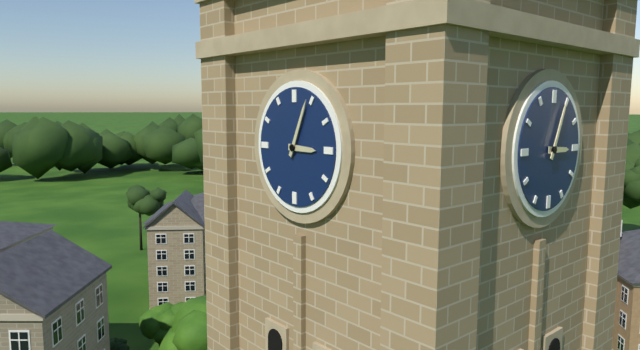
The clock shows **3:04**
